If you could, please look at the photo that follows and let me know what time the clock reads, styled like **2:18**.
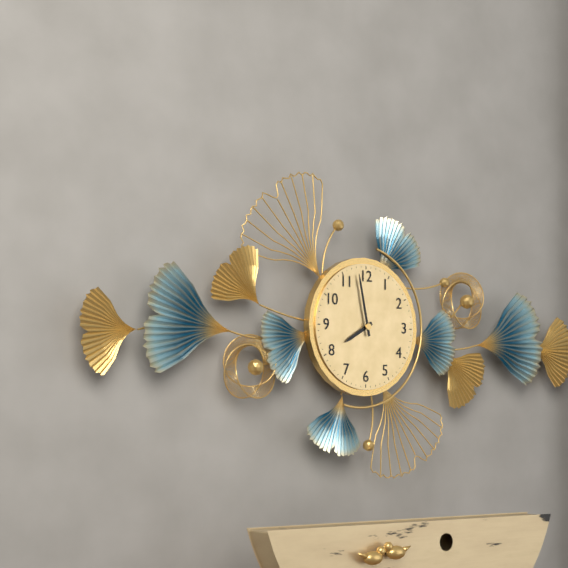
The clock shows **7:58**
